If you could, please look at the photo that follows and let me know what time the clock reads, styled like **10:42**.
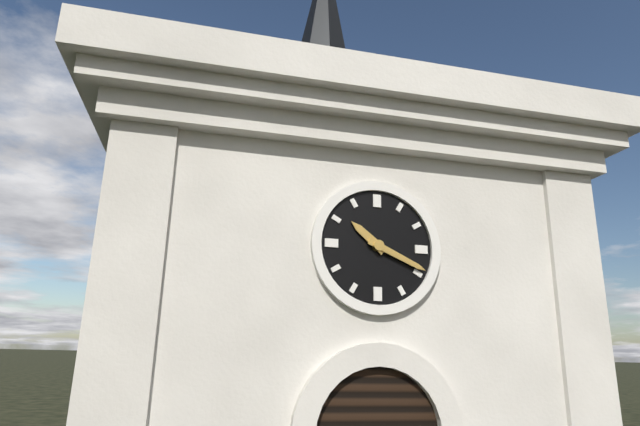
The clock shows **10:19**
